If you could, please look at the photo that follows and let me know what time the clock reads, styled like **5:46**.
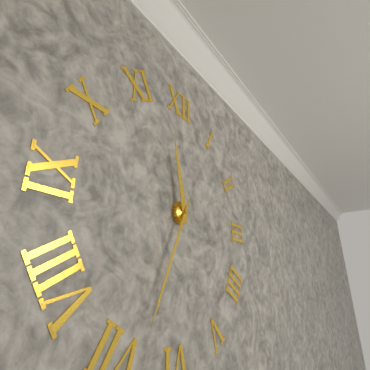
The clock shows **11:34**
